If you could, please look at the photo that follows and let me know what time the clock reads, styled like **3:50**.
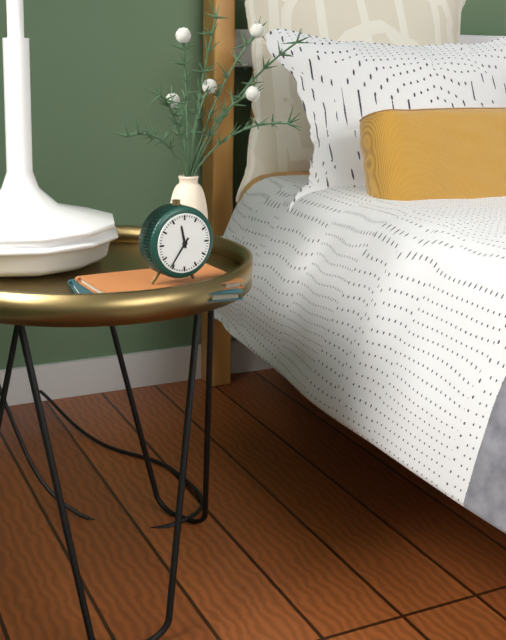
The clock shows **11:36**
